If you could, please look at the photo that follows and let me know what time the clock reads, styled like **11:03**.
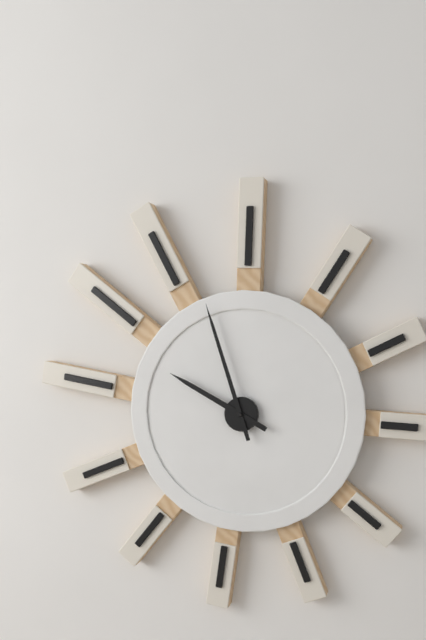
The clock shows **9:57**
